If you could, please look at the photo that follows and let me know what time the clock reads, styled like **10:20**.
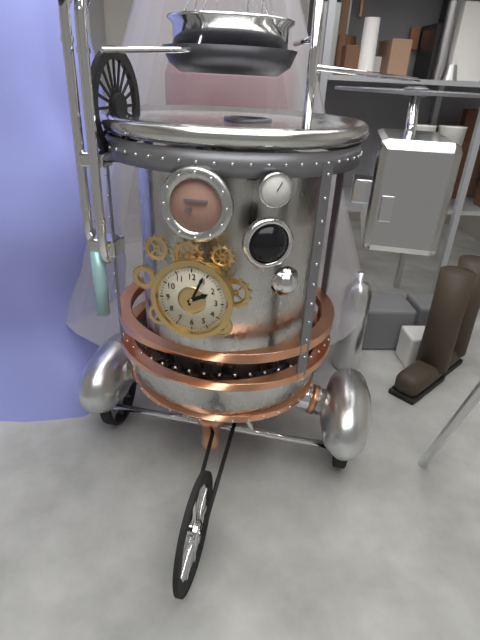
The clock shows **2:04**
